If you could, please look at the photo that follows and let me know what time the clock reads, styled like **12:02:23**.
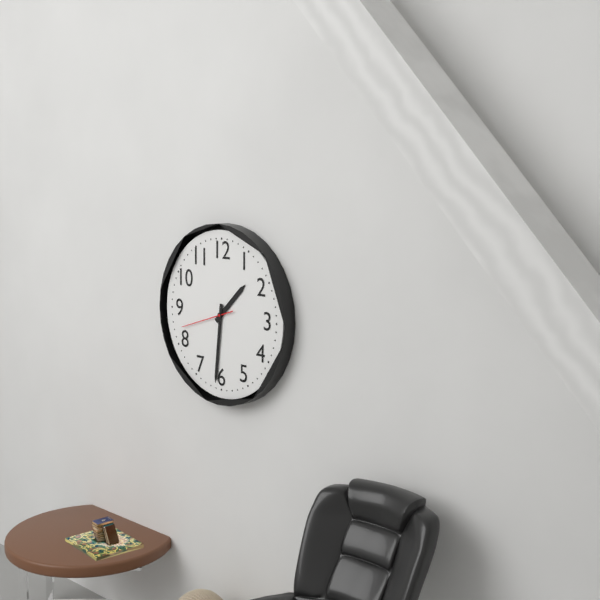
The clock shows **1:31:42**
